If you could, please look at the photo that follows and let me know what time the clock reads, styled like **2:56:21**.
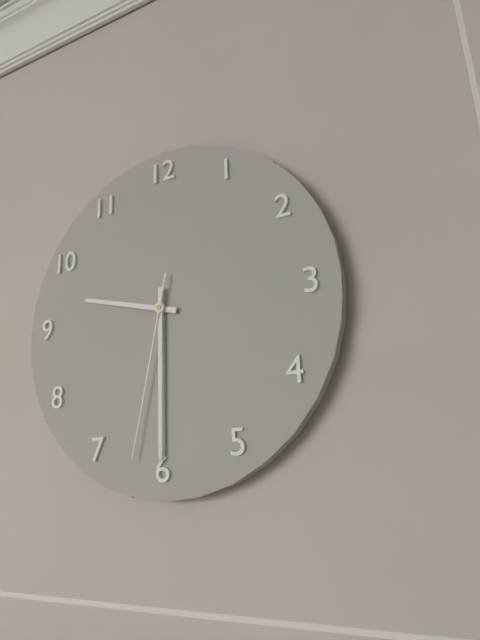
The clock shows **9:30:32**
